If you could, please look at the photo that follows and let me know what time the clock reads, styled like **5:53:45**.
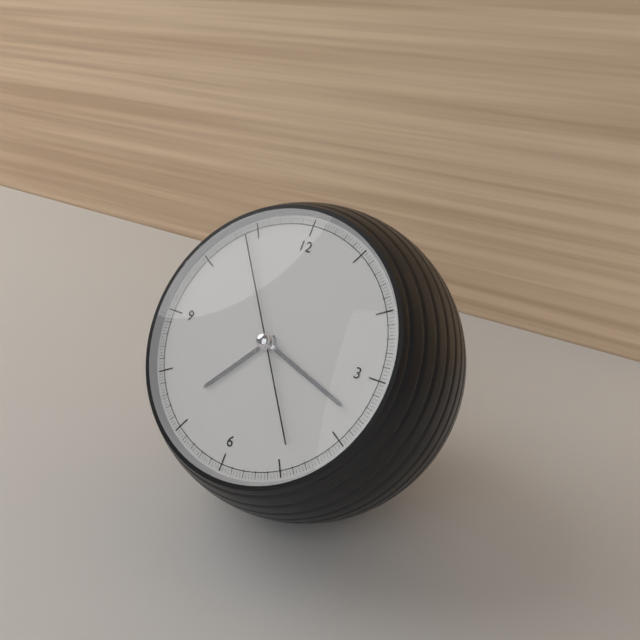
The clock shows **7:18:54**
